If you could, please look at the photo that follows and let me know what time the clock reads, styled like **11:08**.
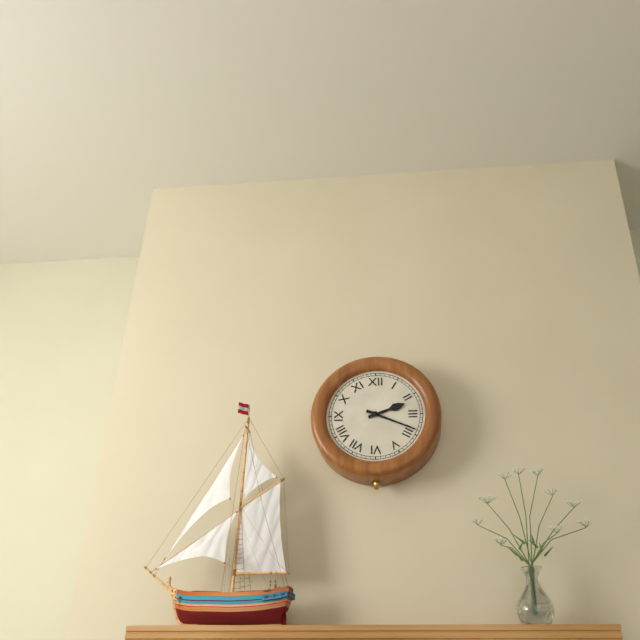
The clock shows **2:19**
